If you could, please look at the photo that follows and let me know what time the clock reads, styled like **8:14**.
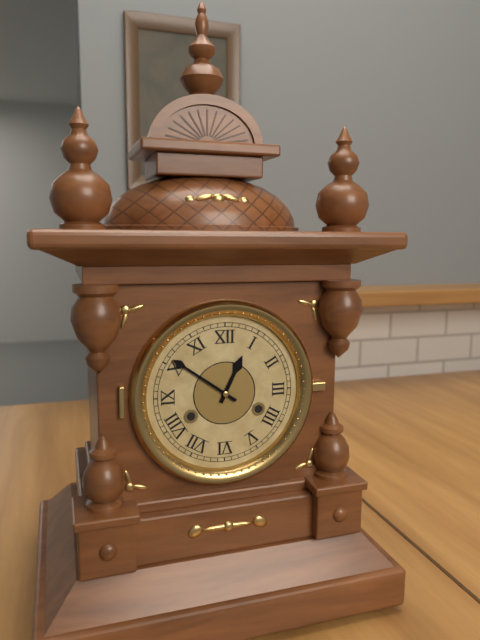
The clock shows **12:51**
